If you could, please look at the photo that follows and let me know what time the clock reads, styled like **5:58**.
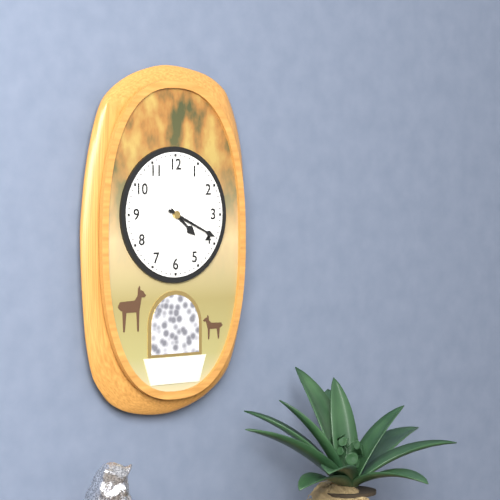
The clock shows **4:19**
